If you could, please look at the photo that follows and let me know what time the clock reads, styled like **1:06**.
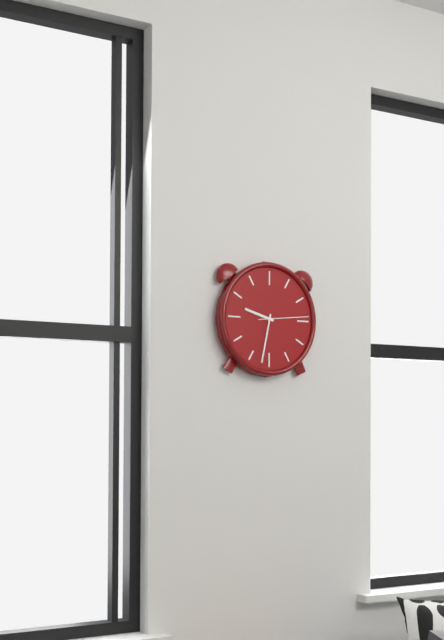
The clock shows **9:32**
